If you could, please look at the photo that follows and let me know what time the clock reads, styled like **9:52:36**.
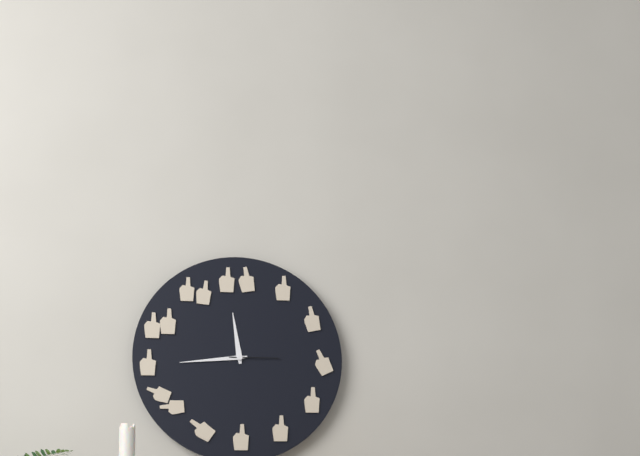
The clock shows **11:44:15**
